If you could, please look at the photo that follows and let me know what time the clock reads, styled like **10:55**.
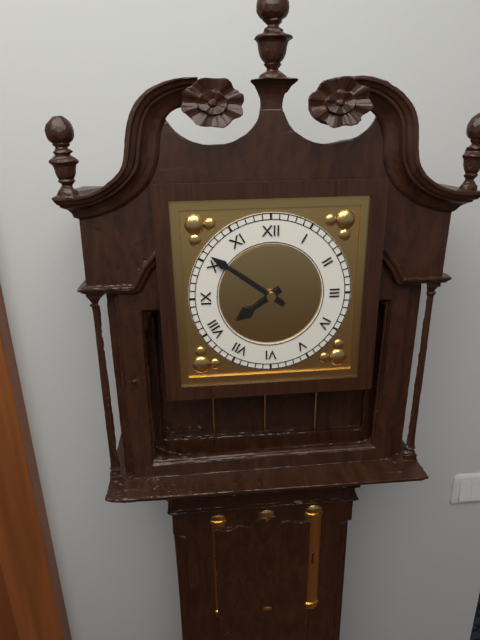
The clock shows **7:51**
